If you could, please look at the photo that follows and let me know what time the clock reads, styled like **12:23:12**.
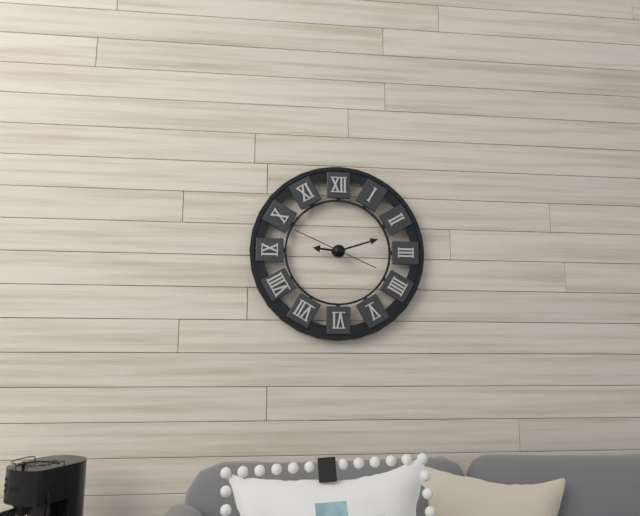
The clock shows **9:12:49**
